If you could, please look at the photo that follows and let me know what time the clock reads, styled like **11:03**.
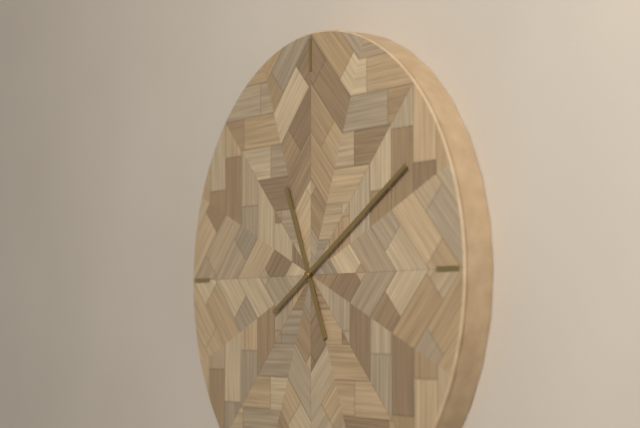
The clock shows **11:10**
